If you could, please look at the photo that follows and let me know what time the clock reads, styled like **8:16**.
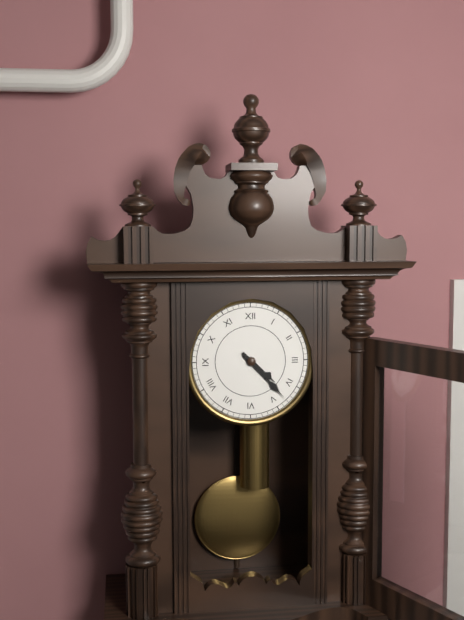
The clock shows **4:23**
